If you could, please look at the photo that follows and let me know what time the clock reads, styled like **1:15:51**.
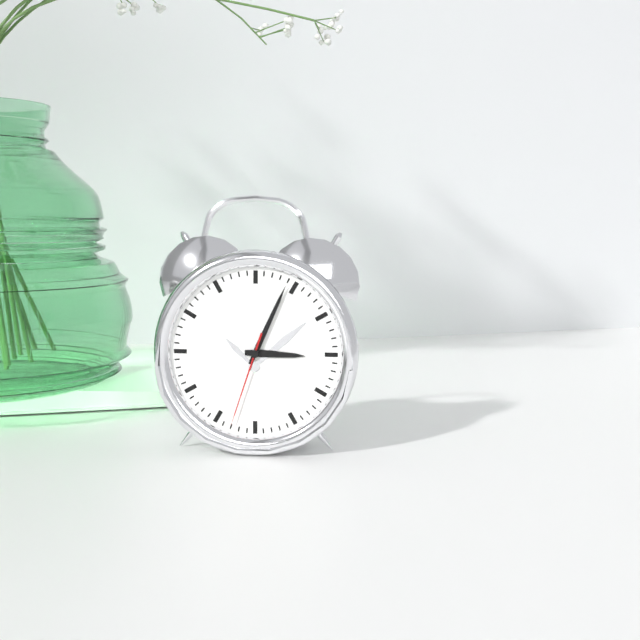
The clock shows **3:04:33**
